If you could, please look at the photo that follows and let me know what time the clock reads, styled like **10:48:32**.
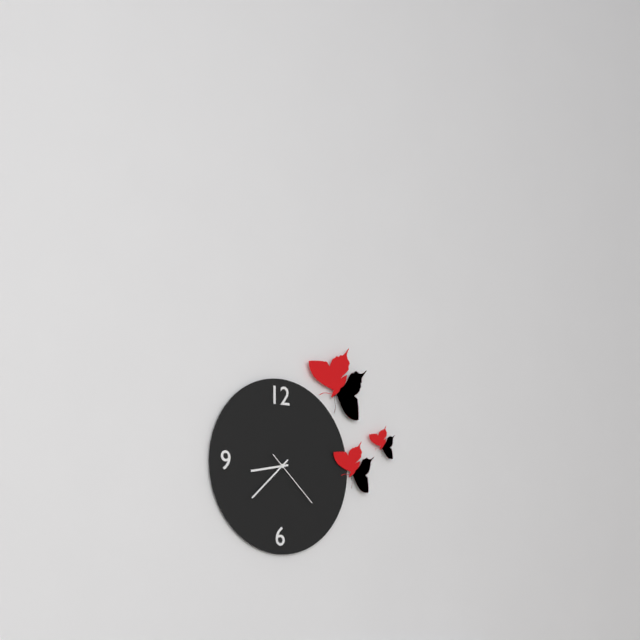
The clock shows **8:38:22**
